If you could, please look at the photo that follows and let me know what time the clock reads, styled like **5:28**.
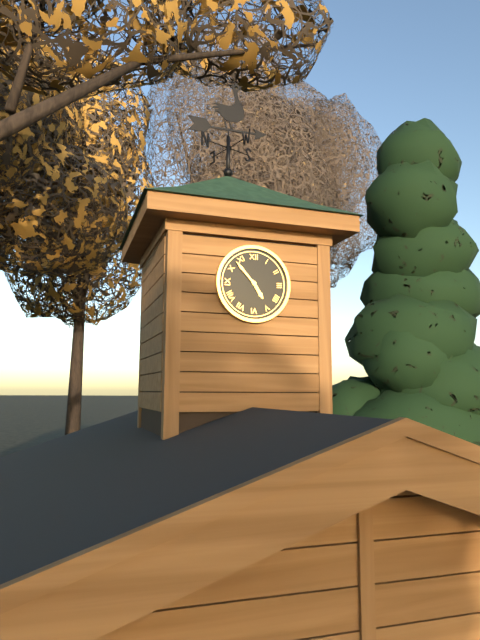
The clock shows **4:53**
